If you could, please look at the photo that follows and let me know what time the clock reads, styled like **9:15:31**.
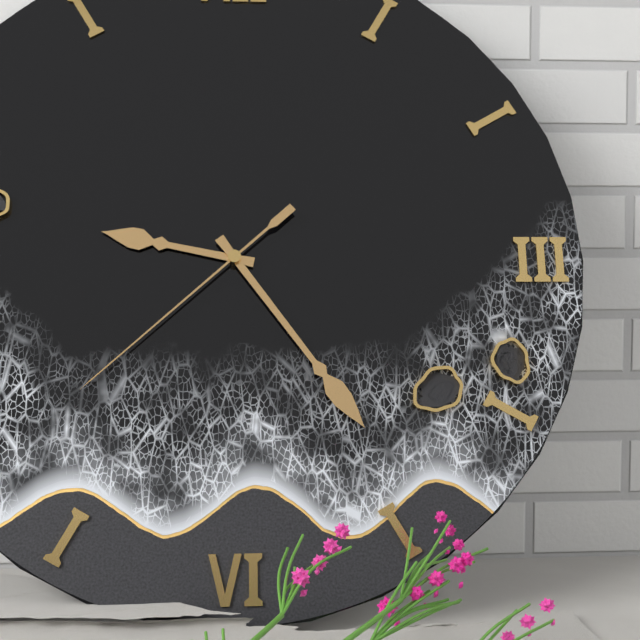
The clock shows **9:24:38**
